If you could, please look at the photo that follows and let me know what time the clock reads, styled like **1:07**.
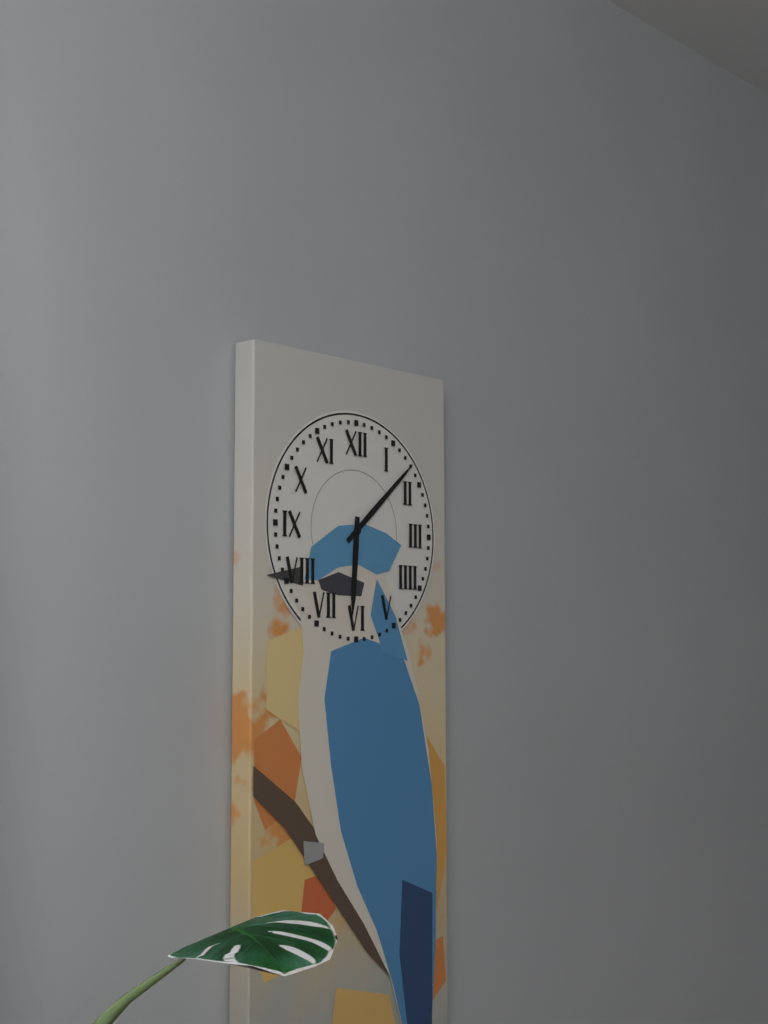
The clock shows **6:08**
